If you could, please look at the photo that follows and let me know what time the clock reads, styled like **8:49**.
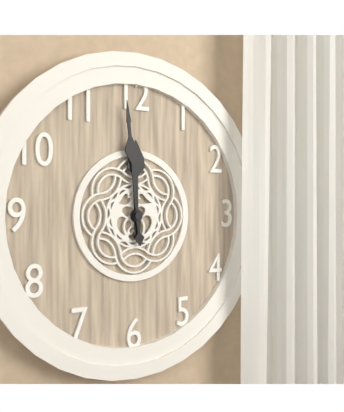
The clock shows **11:59**
